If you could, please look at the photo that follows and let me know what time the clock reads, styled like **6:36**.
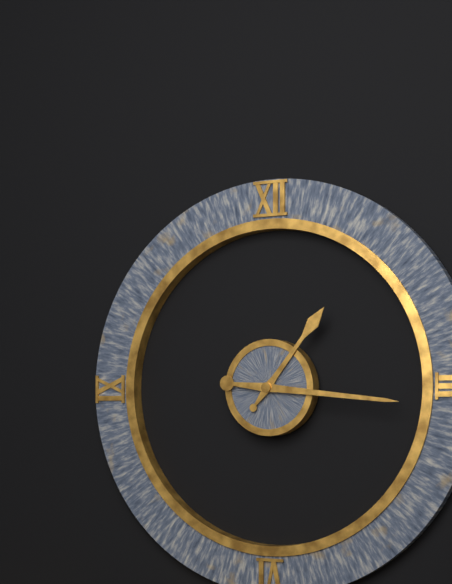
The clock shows **1:16**
